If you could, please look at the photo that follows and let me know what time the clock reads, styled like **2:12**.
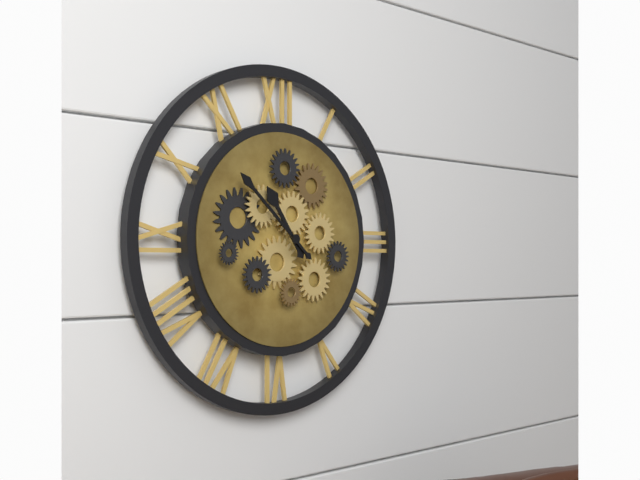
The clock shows **10:52**
